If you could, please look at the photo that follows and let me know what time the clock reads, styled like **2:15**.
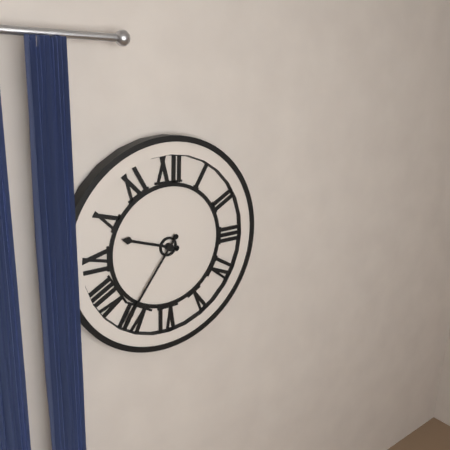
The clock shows **9:36**
